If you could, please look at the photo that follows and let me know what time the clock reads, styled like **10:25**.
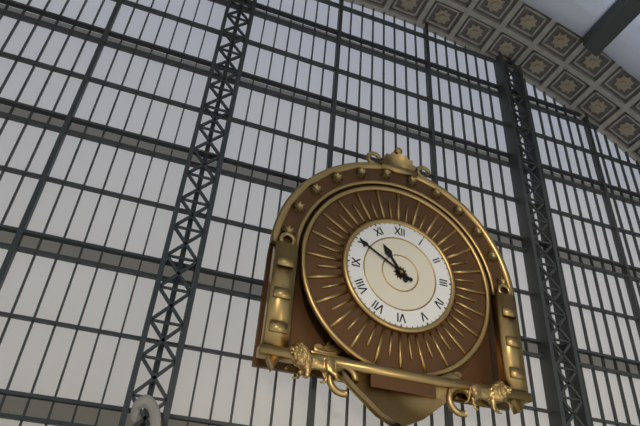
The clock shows **10:50**
